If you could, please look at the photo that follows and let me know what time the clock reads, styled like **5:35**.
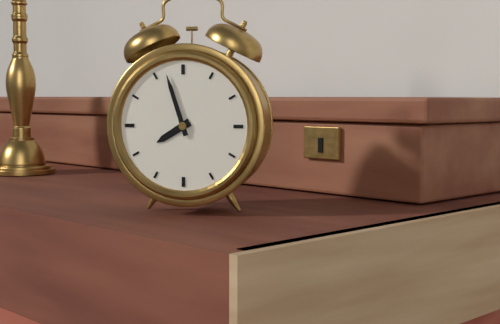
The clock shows **7:57**
